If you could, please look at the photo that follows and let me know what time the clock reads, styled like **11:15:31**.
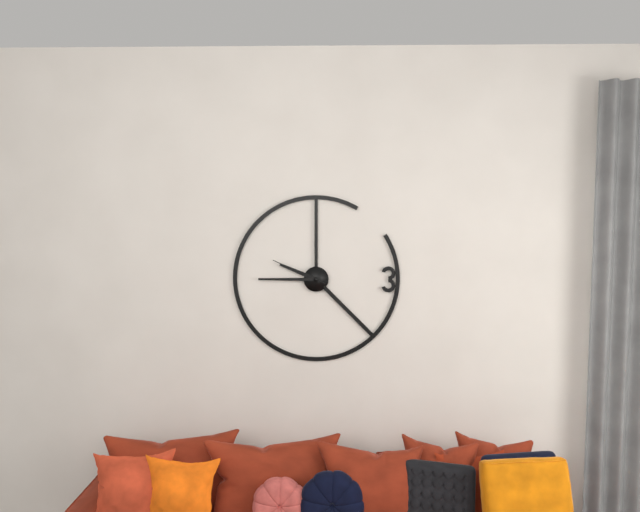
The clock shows **9:45:49**
